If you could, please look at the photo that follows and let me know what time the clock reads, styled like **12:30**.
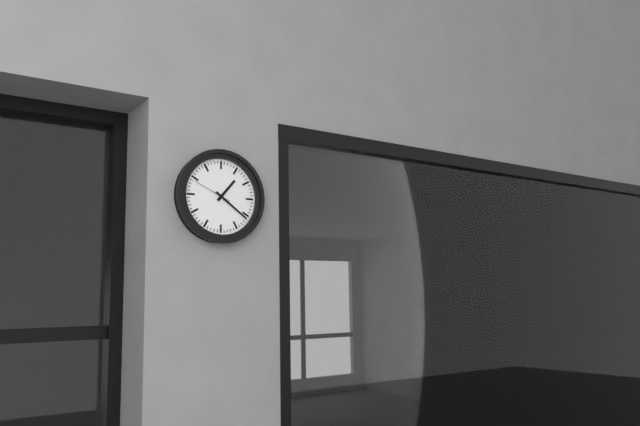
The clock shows **1:21**
